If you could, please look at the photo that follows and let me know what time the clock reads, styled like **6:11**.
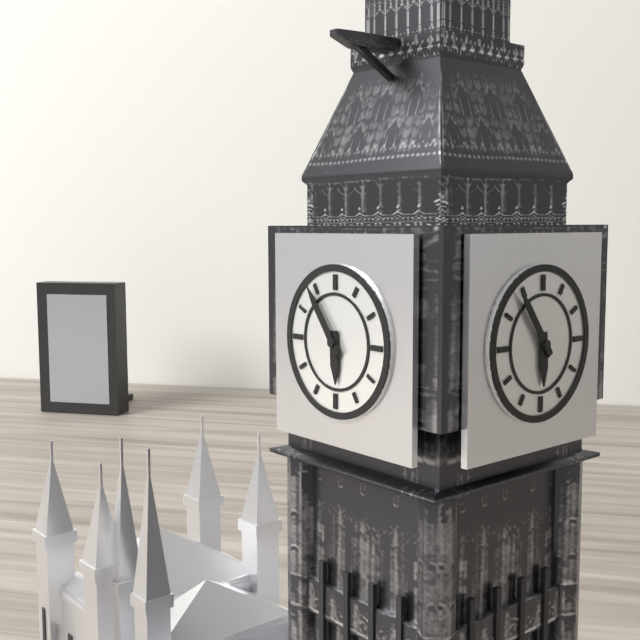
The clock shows **5:54**
